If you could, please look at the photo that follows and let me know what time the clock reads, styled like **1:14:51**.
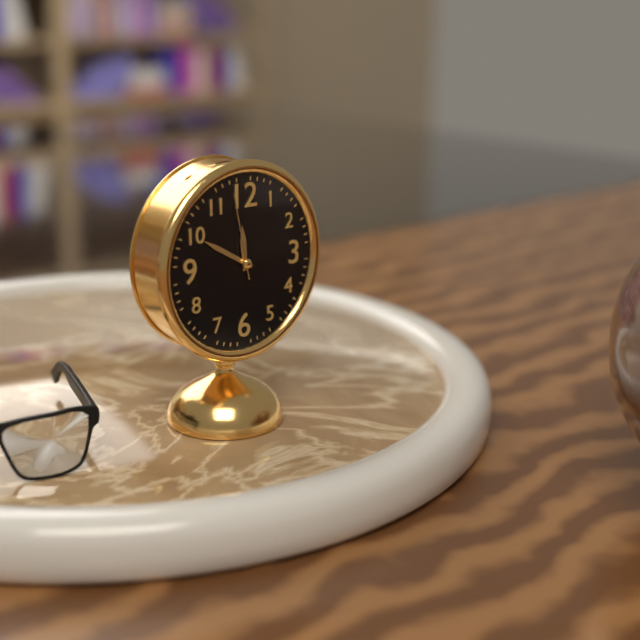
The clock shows **11:50:58**
